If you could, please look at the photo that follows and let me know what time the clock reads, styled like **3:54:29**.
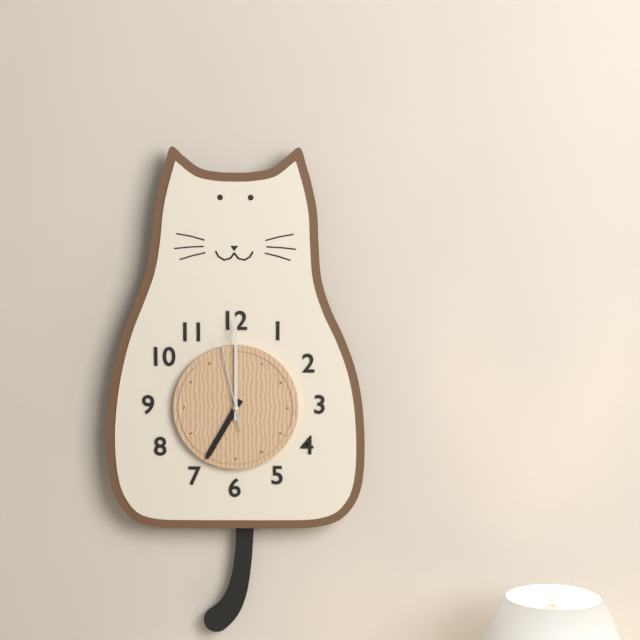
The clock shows **7:00:58**
